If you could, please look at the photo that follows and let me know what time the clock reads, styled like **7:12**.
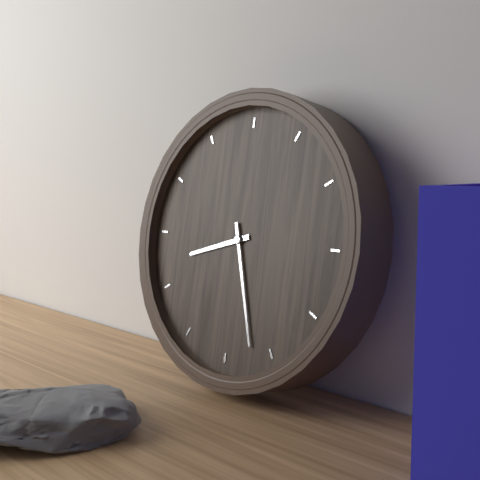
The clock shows **8:27**
